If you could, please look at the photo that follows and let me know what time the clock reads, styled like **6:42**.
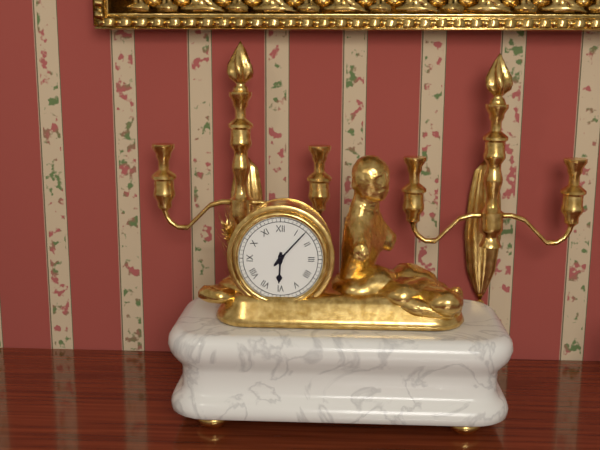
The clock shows **6:07**
